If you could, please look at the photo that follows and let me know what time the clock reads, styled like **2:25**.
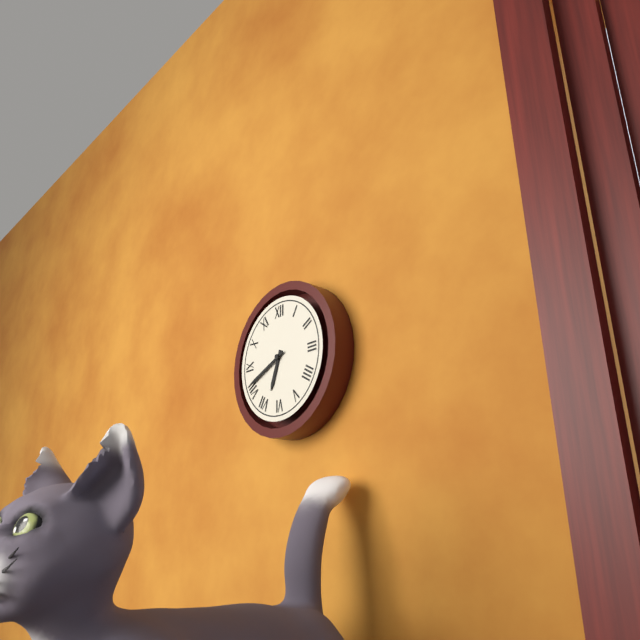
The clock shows **6:41**
